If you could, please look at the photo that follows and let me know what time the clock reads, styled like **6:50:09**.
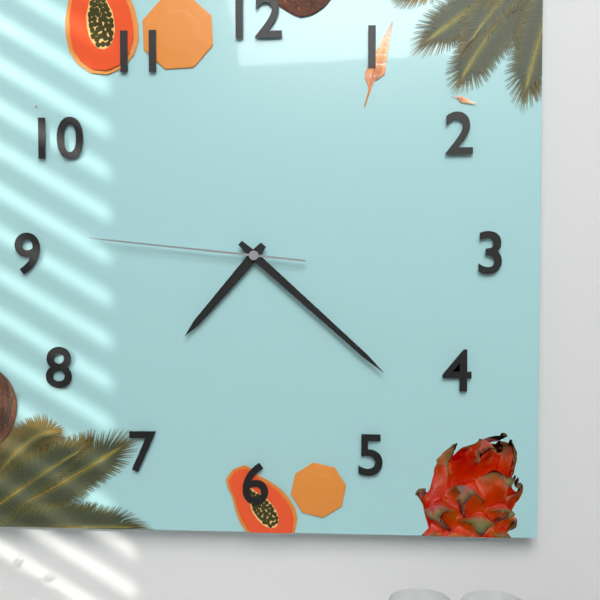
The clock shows **7:22:46**
